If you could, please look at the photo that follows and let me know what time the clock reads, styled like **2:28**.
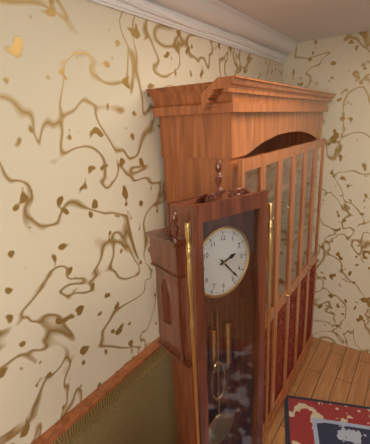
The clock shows **2:23**
